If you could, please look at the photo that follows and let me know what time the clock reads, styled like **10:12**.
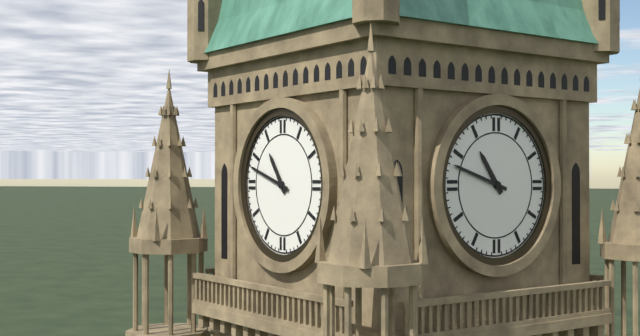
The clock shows **10:48**
